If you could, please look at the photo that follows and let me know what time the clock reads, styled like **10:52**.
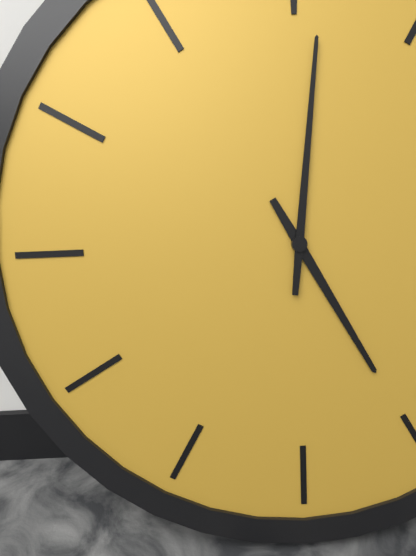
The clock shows **5:01**
